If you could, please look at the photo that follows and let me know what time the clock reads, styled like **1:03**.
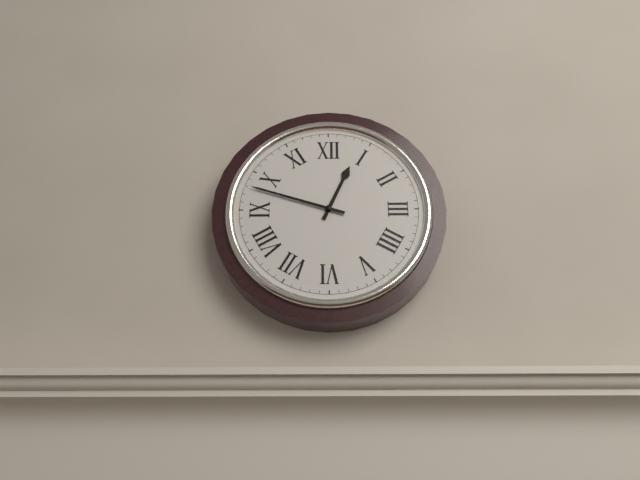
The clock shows **12:48**
